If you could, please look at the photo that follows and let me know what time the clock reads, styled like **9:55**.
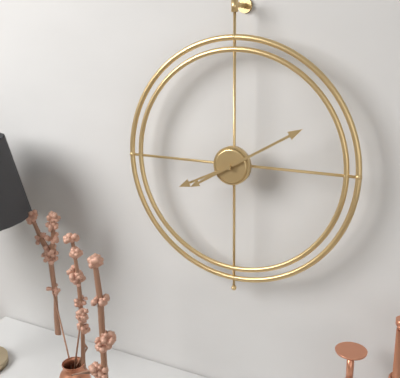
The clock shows **8:10**
